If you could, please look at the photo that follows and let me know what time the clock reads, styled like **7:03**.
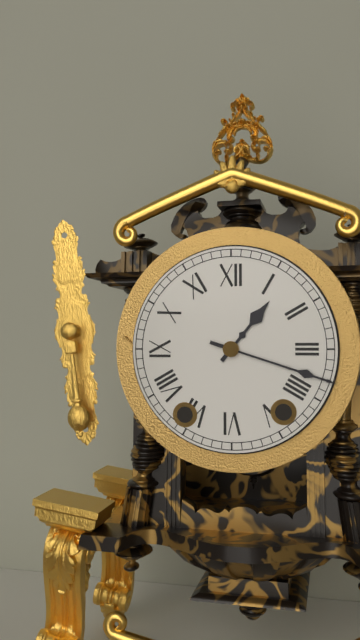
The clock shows **1:18**
